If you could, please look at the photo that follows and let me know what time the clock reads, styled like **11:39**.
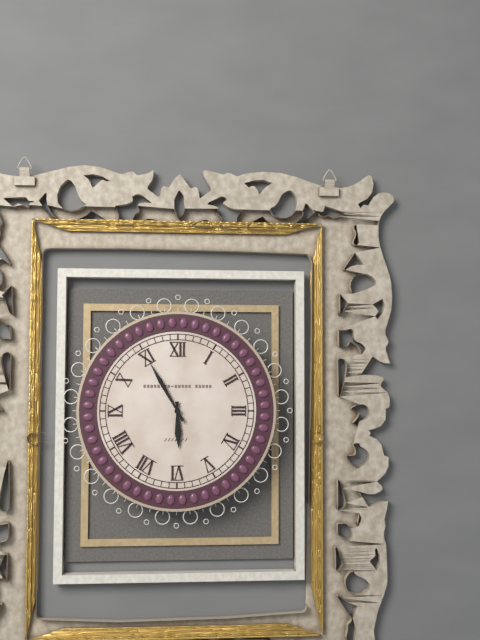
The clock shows **5:55**
